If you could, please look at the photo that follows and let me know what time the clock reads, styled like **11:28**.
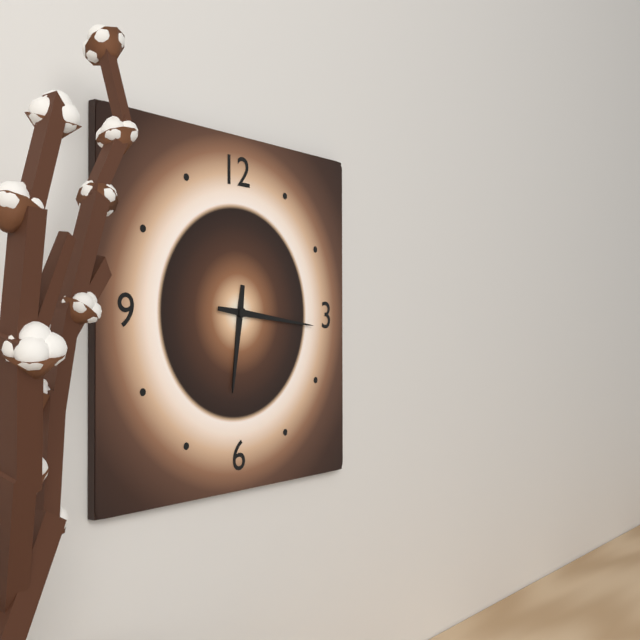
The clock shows **6:16**
